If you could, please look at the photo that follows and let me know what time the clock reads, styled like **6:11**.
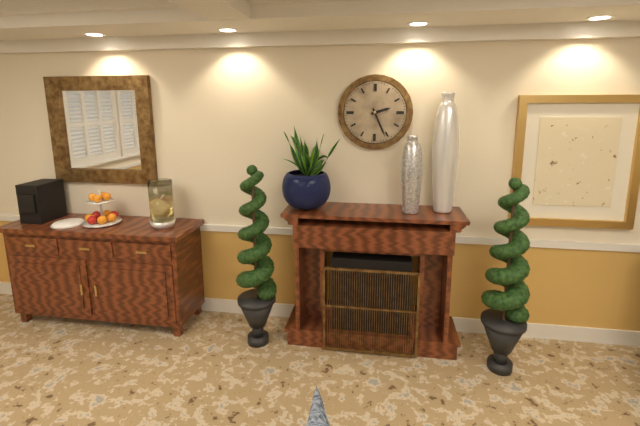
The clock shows **2:26**
